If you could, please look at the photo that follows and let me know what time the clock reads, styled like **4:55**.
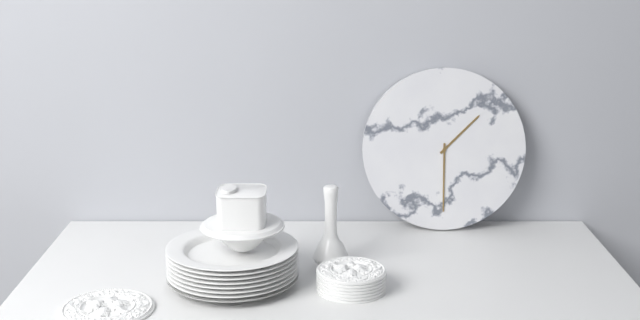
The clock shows **1:30**
